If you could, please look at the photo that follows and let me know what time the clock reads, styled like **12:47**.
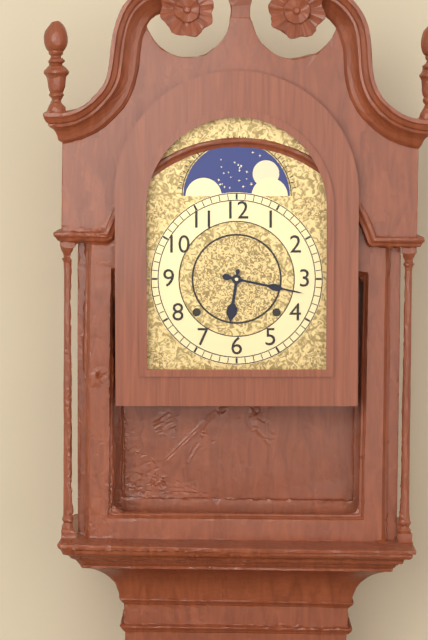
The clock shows **6:17**
